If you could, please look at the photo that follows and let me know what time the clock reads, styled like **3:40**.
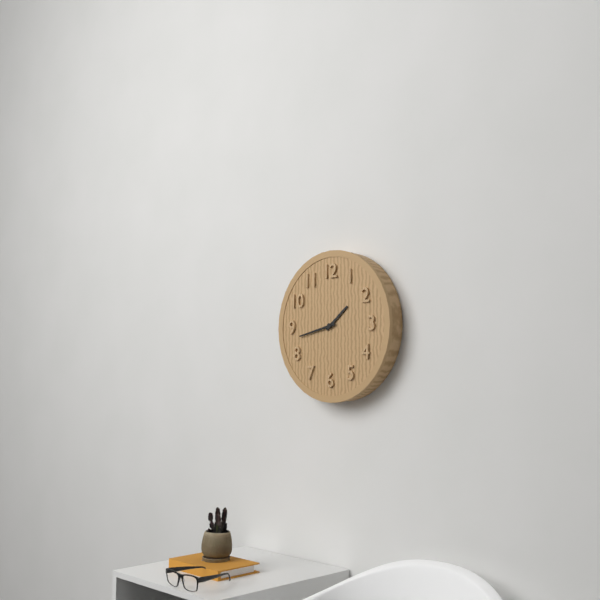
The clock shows **1:43**
